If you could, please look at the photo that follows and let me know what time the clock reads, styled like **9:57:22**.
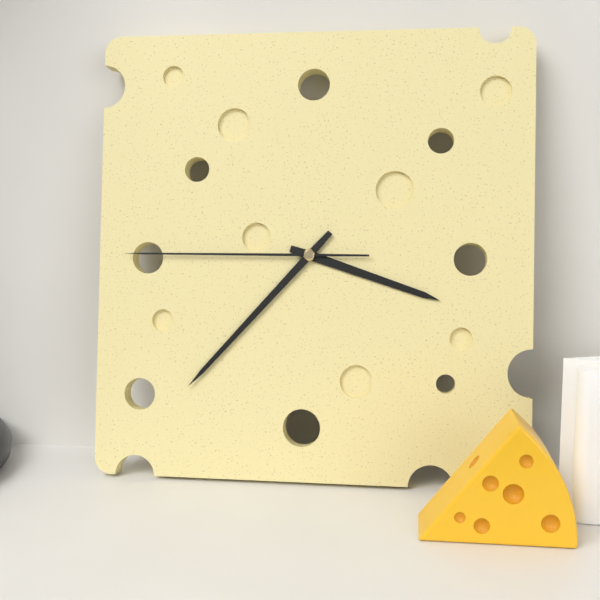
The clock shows **3:37:45**
